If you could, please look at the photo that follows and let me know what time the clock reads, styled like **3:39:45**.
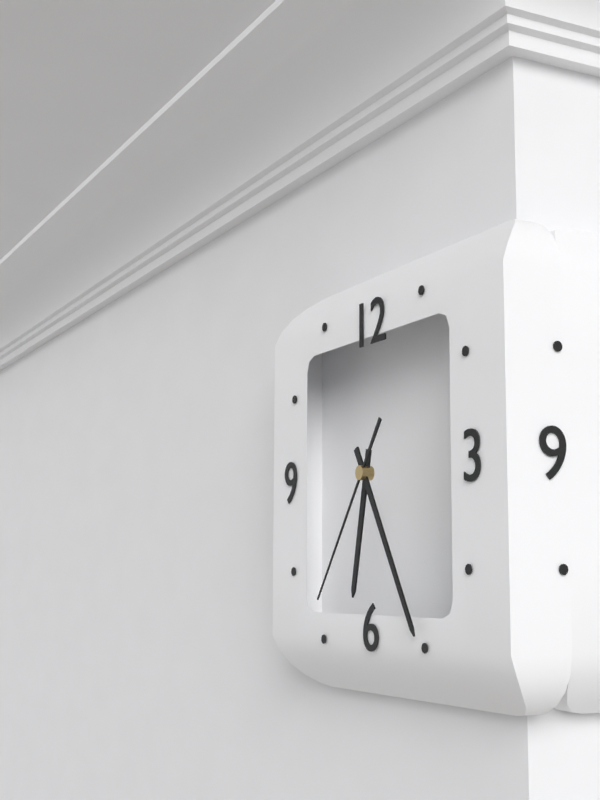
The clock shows **6:25:36**
